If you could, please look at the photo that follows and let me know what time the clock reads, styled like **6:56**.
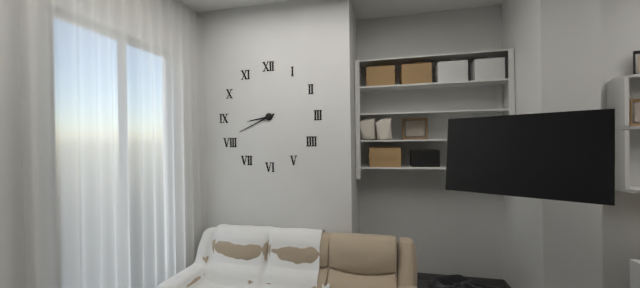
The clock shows **8:41**
